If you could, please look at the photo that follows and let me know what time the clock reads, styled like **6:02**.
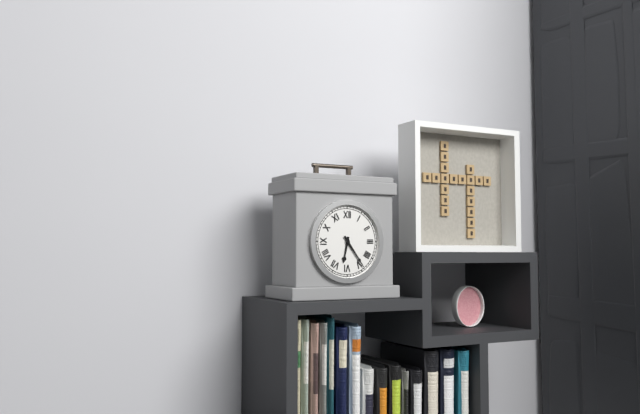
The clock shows **6:24**
